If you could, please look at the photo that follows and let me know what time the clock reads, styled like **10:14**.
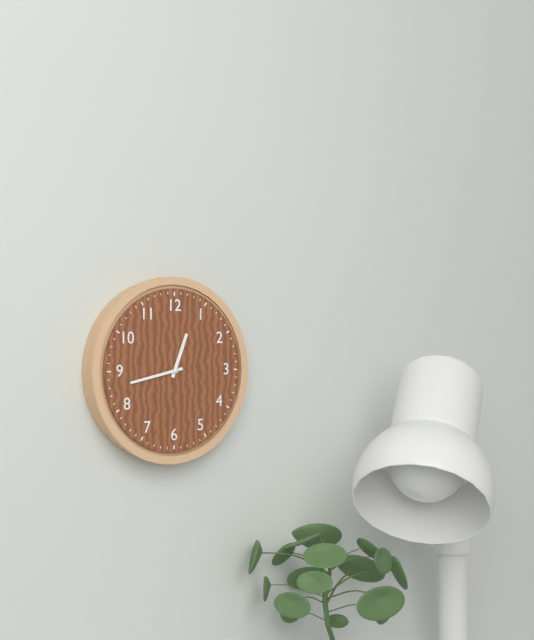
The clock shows **12:43**
